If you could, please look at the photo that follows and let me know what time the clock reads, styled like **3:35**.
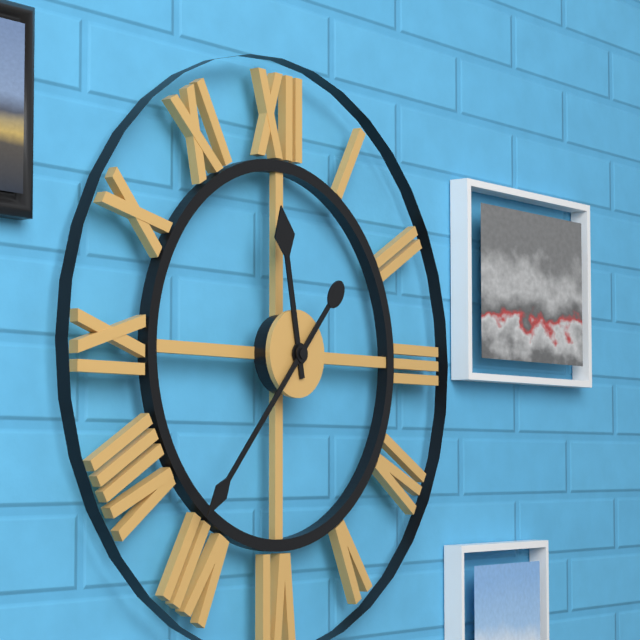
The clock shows **11:37**
